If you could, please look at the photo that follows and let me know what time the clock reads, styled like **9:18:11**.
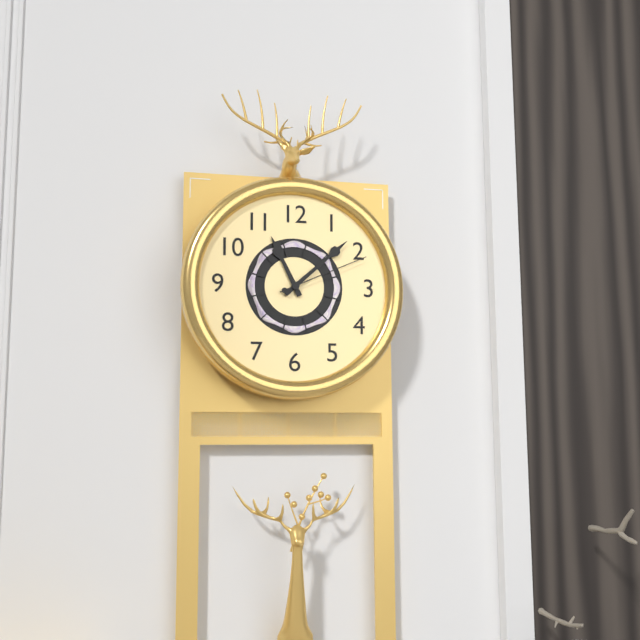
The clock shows **11:08:11**
